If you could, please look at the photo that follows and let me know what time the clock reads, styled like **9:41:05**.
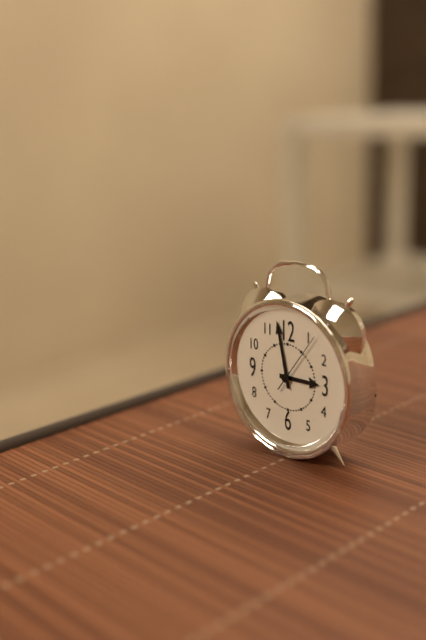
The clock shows **2:58:06**
